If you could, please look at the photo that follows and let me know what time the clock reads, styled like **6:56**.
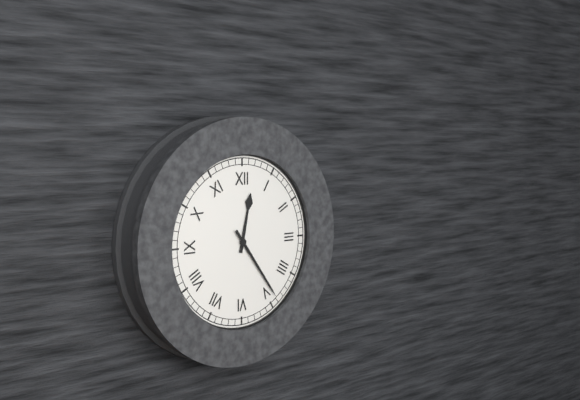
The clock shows **12:24**
